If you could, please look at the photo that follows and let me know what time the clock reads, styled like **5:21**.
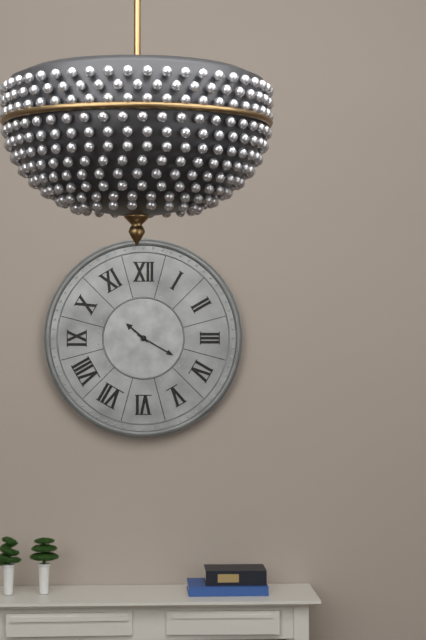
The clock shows **10:20**
